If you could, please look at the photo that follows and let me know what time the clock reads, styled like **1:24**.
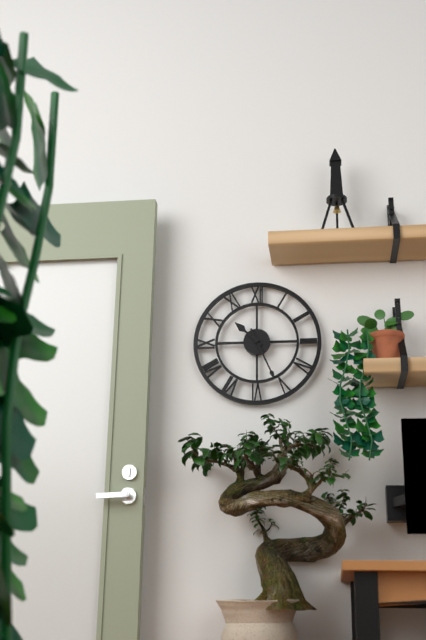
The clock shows **10:26**
